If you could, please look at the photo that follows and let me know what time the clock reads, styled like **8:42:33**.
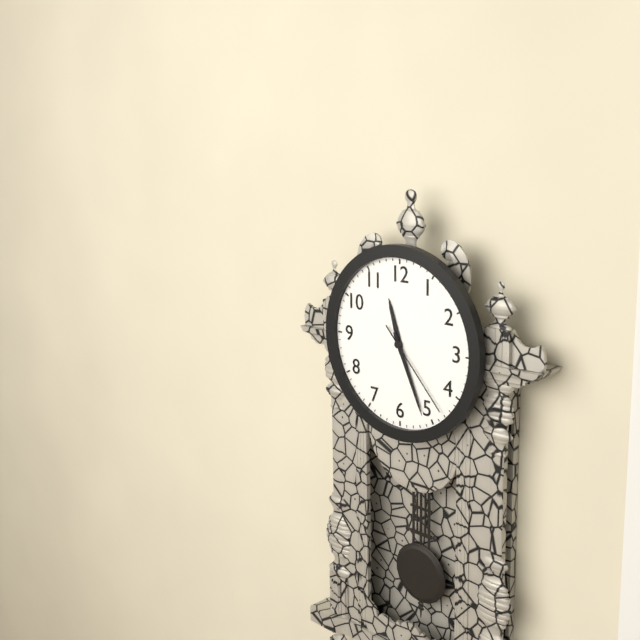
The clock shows **11:26:23**
